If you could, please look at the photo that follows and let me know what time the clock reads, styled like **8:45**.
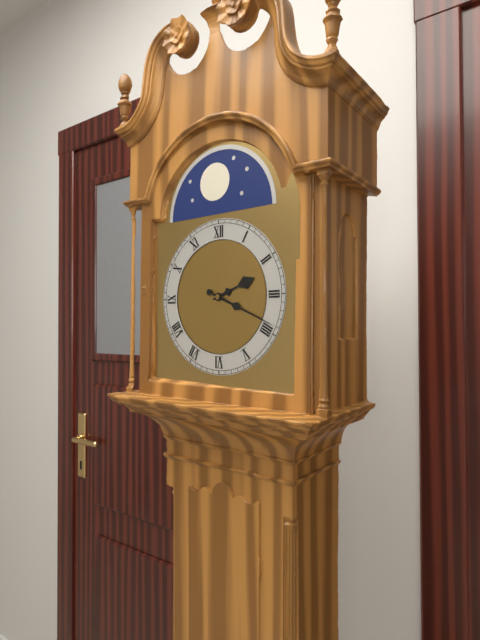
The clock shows **2:19**
